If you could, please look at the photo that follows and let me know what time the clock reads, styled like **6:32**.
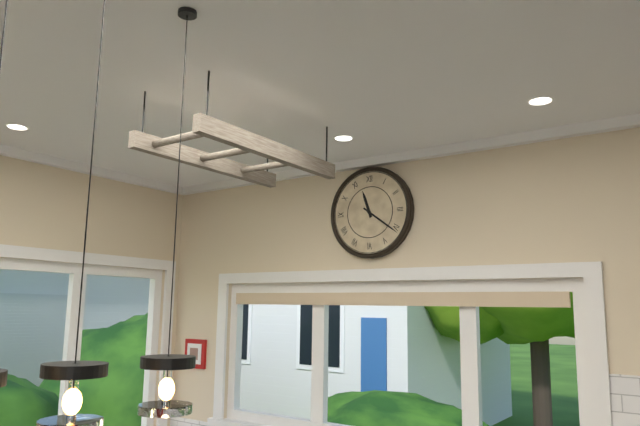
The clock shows **11:21**
